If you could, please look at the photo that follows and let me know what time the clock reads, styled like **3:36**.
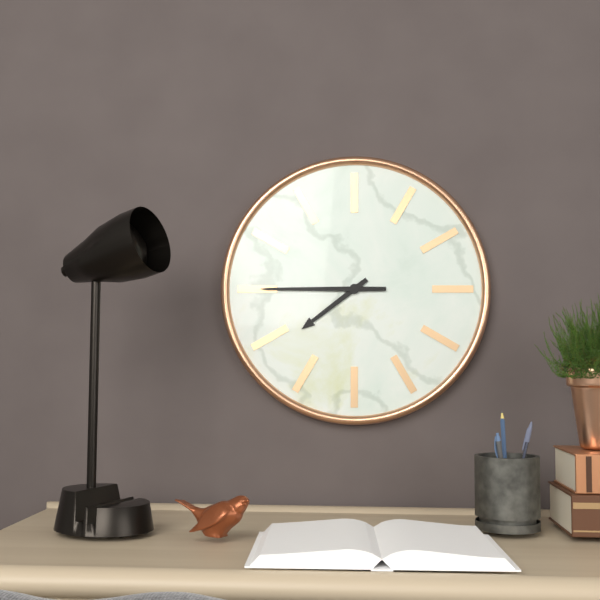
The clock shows **7:45**
